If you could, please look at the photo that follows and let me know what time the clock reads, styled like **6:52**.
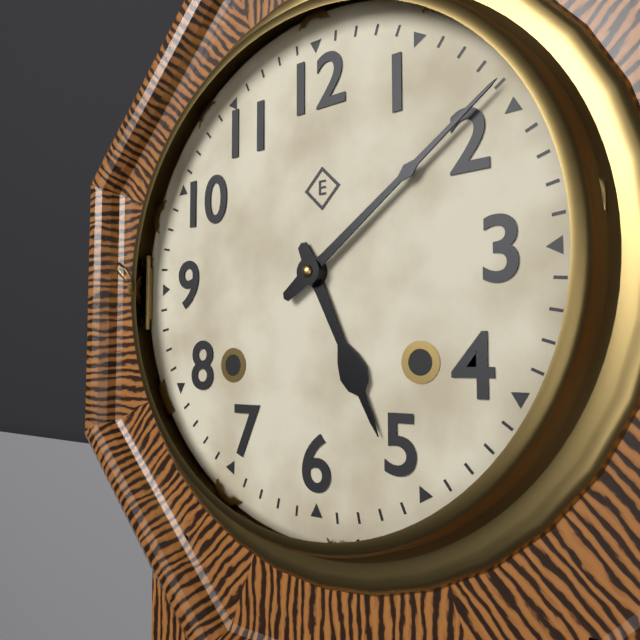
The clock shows **5:09**
